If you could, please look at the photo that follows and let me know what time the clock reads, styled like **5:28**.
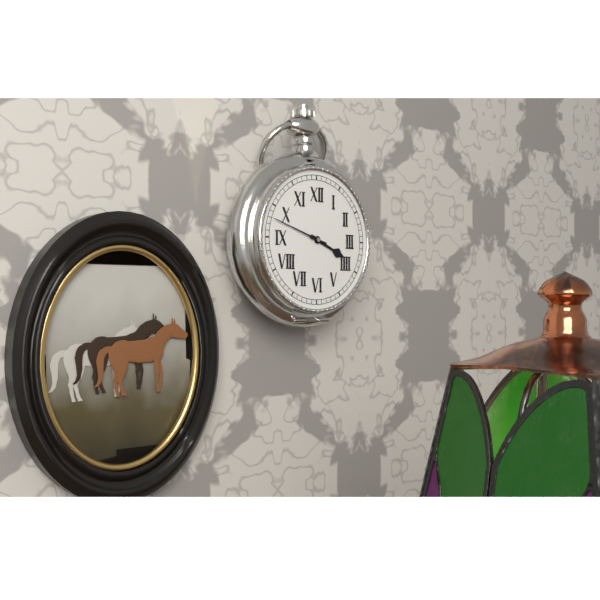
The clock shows **3:48**
